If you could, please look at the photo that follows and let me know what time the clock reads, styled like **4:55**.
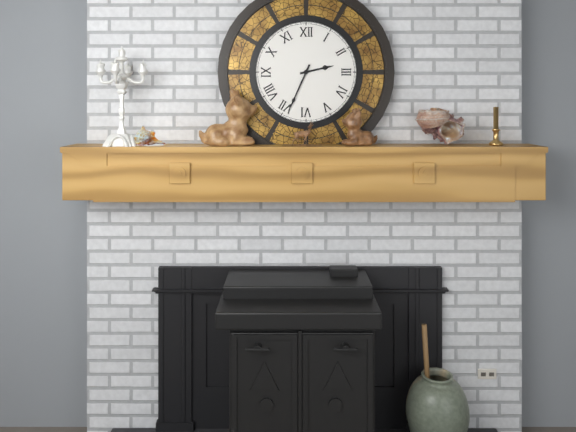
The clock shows **2:34**
